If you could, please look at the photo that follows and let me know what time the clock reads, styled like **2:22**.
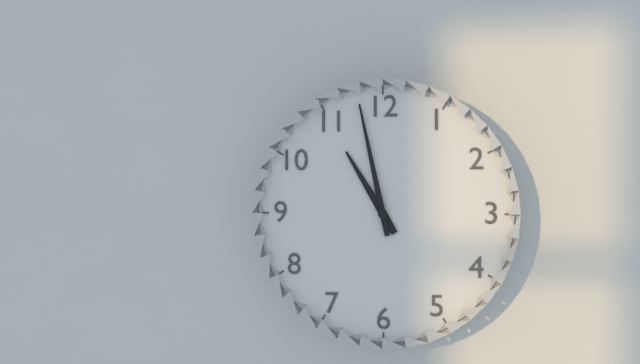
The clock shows **10:58**
